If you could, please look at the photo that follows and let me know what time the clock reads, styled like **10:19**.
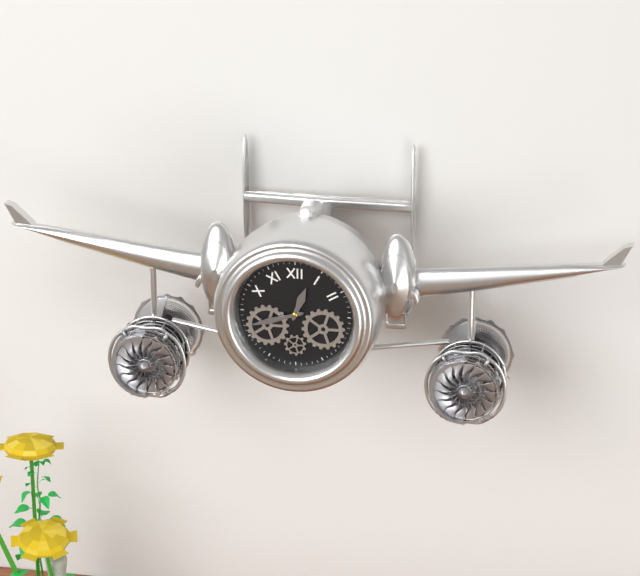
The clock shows **12:42**
